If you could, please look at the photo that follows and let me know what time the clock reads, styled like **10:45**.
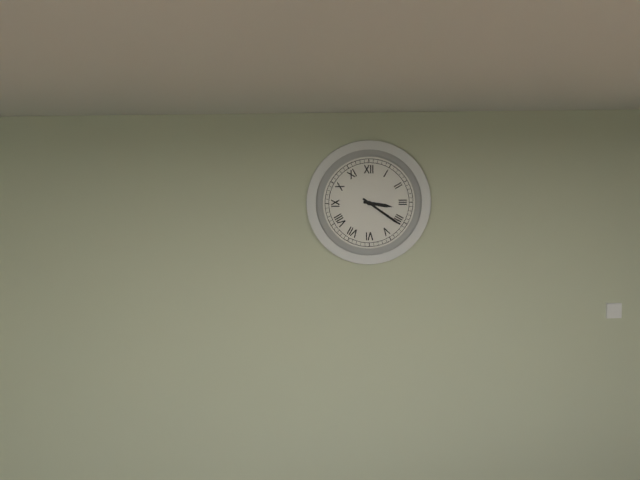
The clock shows **3:21**
